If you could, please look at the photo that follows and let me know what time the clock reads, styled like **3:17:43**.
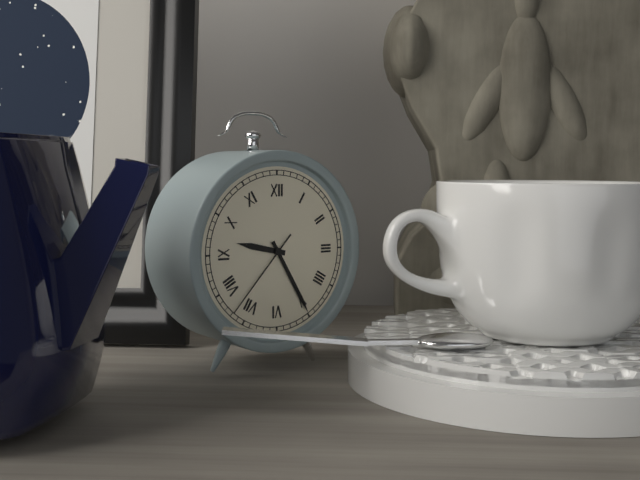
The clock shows **9:25:37**
